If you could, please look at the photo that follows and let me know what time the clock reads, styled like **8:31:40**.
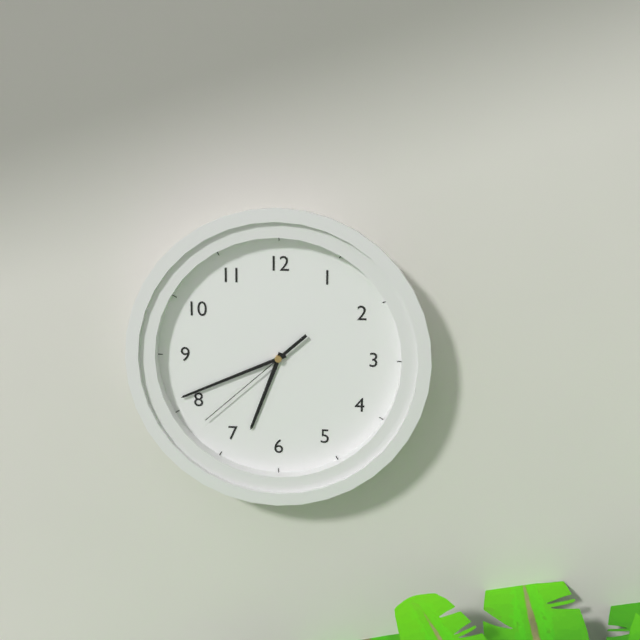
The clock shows **6:41:38**
